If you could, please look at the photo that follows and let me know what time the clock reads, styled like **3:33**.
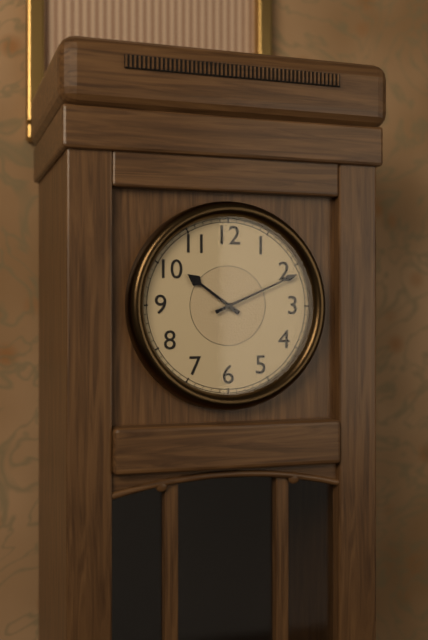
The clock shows **10:11**
